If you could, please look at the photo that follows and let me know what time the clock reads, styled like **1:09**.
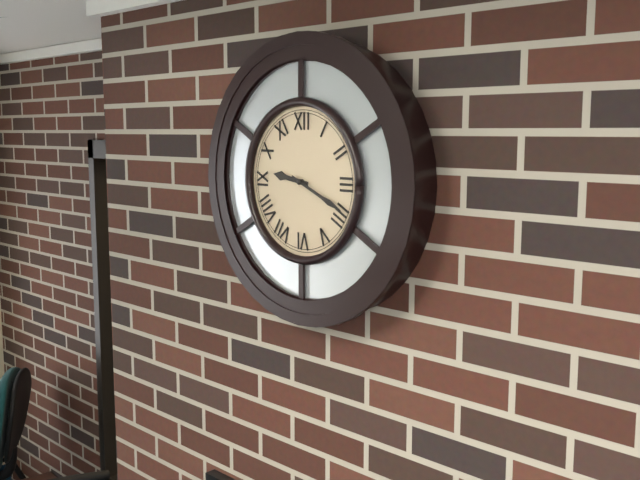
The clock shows **9:19**
